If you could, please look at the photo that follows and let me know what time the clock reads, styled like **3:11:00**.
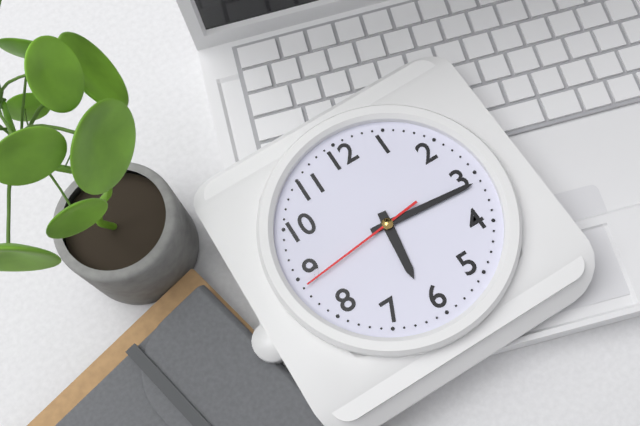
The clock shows **6:16:44**
